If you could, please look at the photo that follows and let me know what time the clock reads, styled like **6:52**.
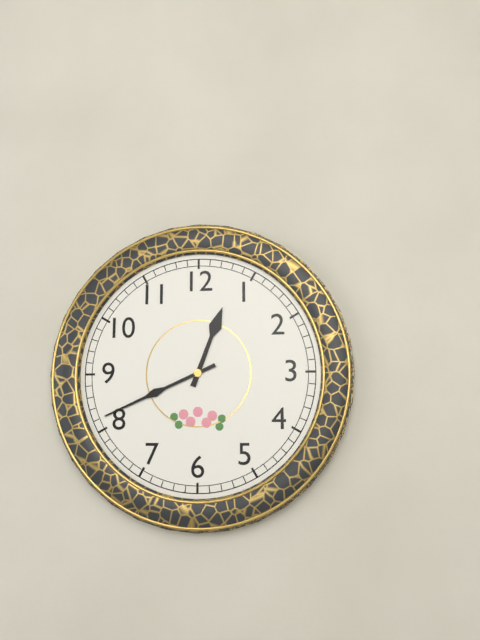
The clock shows **12:41**
